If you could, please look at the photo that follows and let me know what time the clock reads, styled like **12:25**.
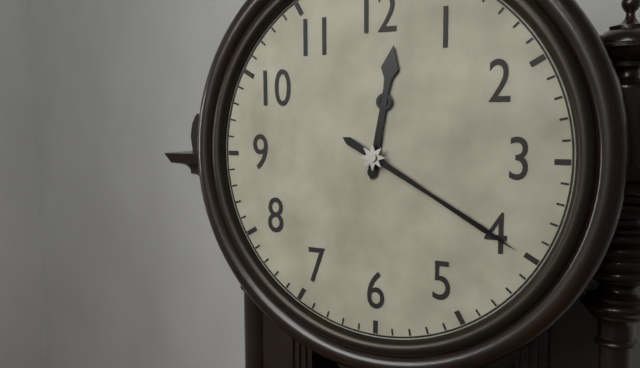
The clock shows **12:20**
